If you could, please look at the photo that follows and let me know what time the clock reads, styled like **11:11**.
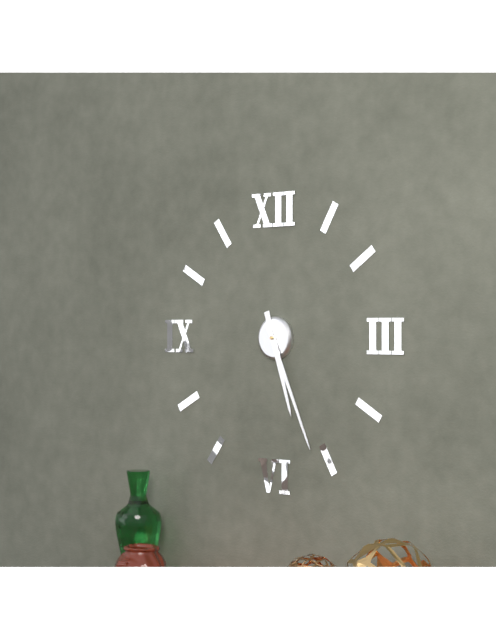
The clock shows **5:26**
